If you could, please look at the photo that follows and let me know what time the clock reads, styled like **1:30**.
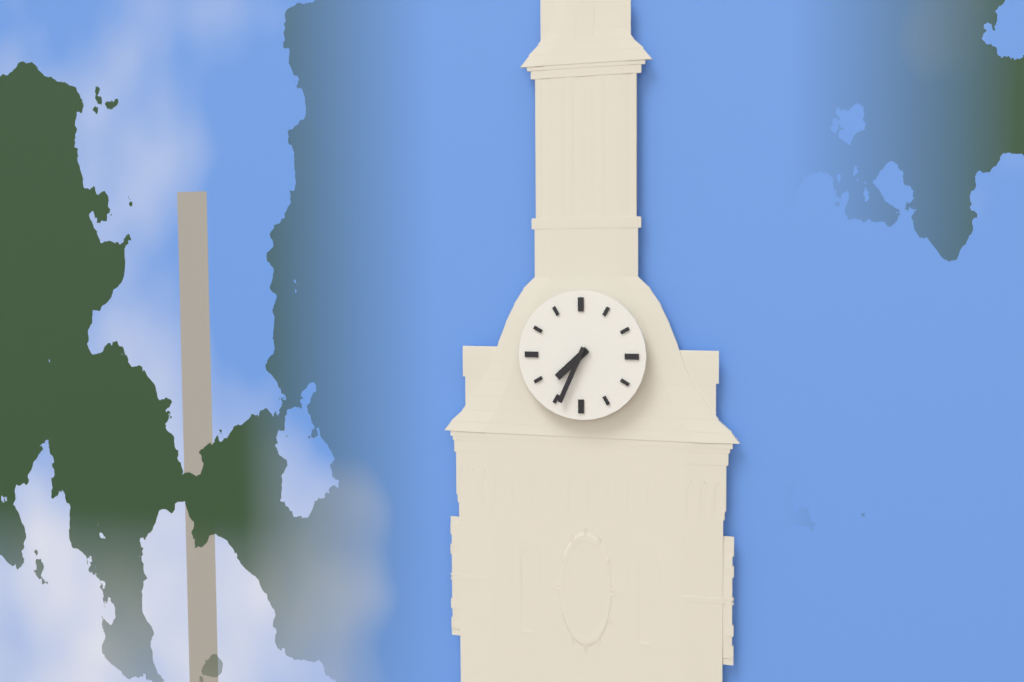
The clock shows **7:34**
